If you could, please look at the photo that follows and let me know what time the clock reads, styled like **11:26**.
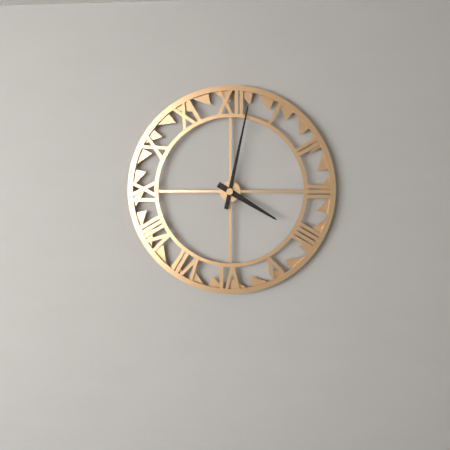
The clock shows **4:02**
